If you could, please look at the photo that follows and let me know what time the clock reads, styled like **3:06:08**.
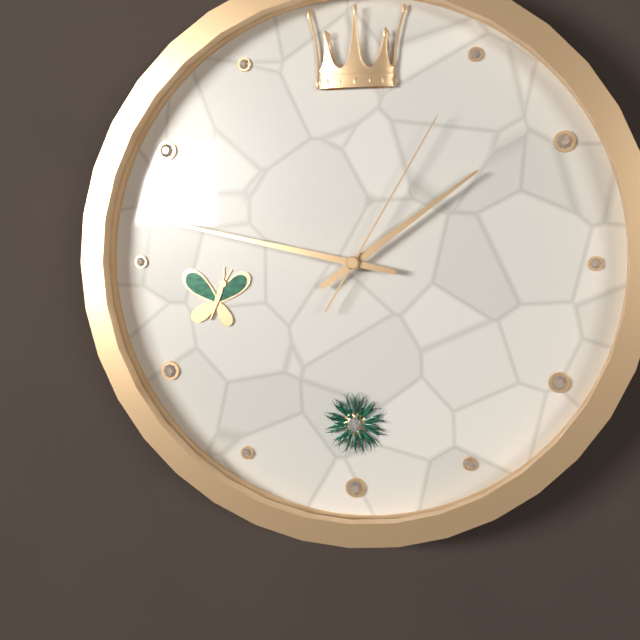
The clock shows **1:47:05**
